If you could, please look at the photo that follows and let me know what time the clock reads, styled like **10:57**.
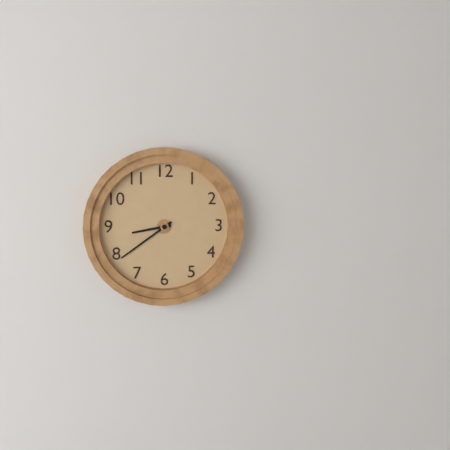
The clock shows **8:39**
